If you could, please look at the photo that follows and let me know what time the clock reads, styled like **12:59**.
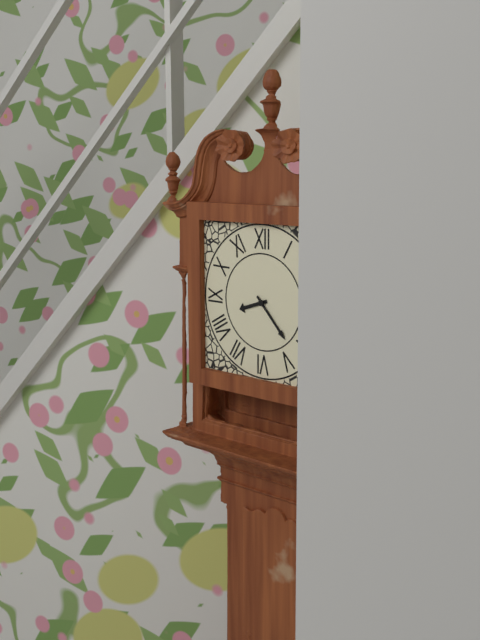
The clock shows **8:23**
